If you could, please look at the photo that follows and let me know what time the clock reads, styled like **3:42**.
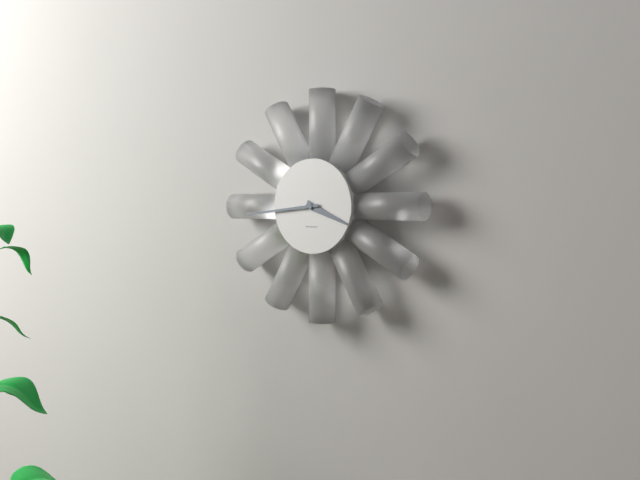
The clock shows **3:44**
